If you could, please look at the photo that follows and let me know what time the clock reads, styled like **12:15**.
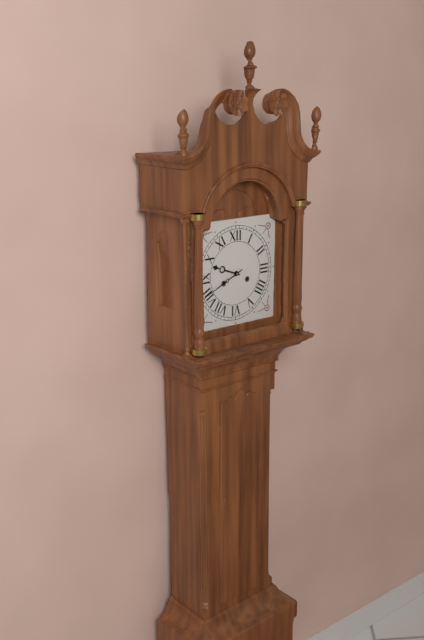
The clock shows **9:41**
